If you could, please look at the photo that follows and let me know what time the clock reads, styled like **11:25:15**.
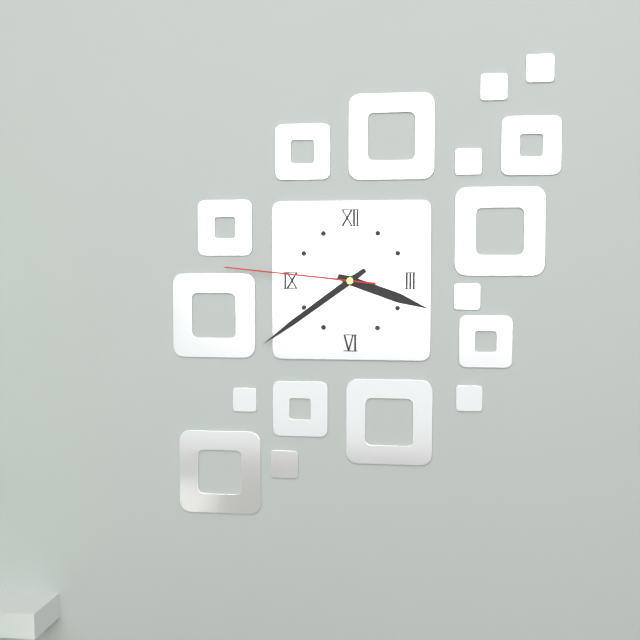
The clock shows **3:39:46**
